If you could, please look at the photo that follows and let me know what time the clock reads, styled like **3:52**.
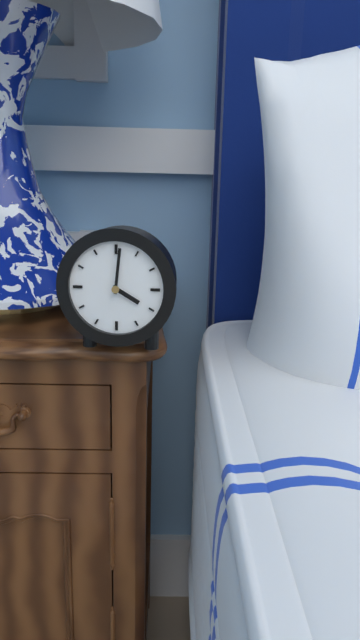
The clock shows **4:01**
